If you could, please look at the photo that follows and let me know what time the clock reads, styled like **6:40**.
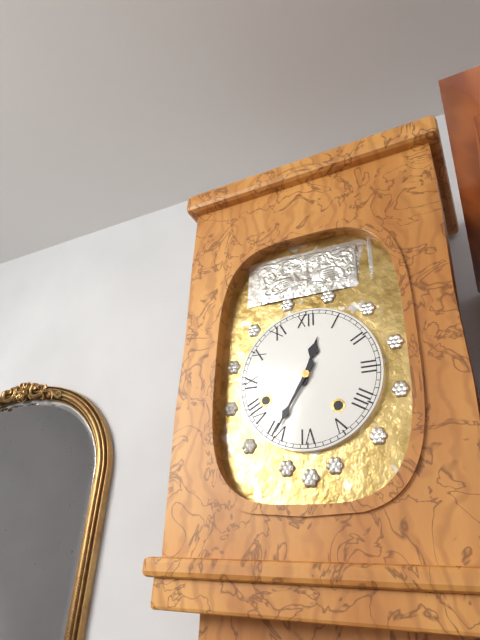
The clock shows **12:35**
